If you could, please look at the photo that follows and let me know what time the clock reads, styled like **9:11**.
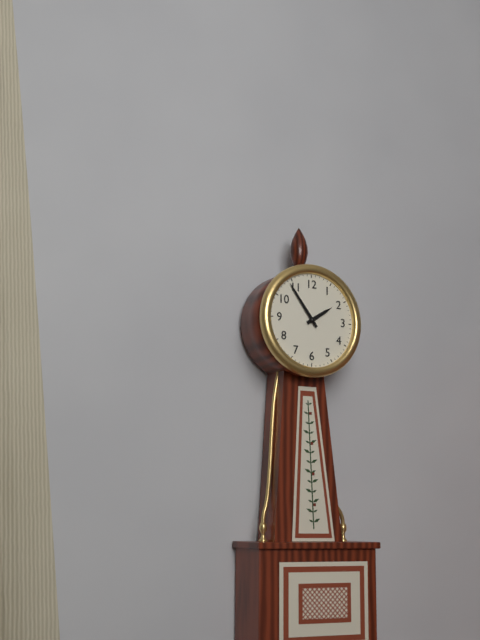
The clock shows **1:54**
